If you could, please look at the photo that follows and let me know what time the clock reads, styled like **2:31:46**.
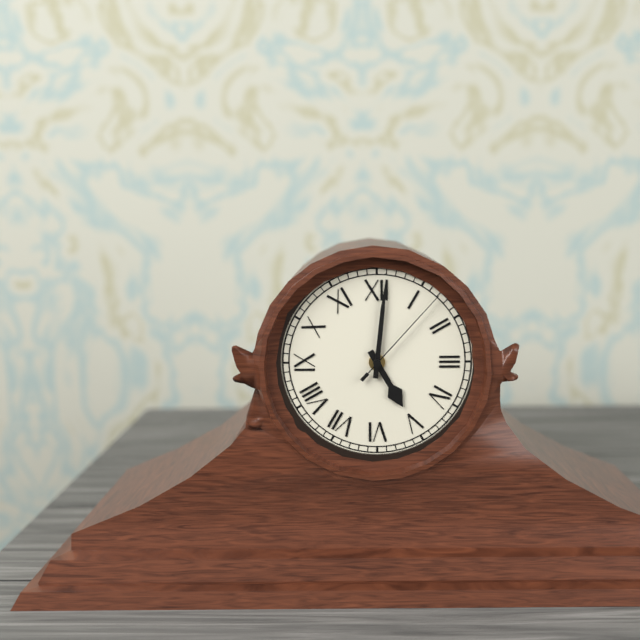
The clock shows **5:01:07**
